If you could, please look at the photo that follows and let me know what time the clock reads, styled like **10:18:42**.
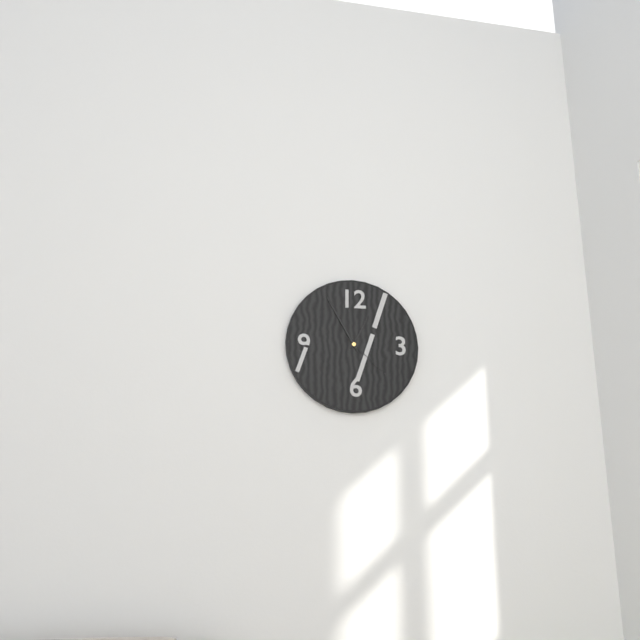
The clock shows **12:55:22**
